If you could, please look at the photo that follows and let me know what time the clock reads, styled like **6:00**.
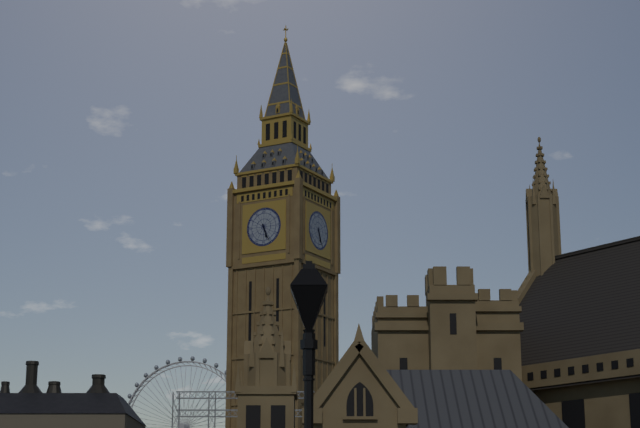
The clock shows **5:26**
